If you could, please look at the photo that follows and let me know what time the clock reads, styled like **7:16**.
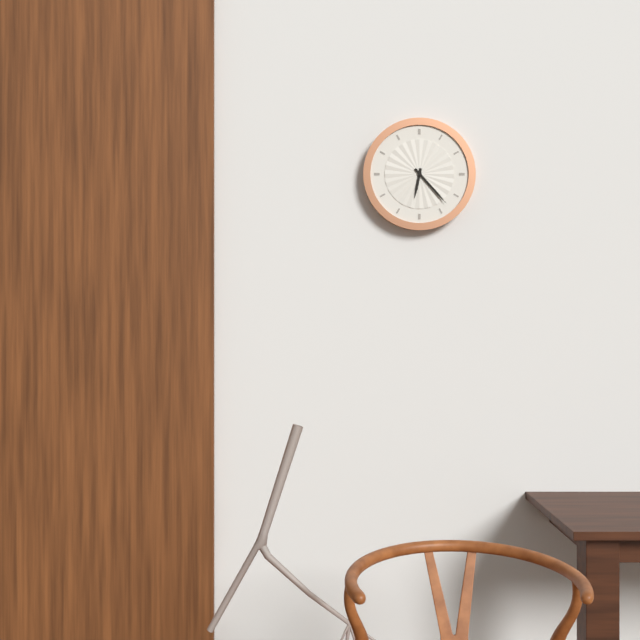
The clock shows **6:23**
